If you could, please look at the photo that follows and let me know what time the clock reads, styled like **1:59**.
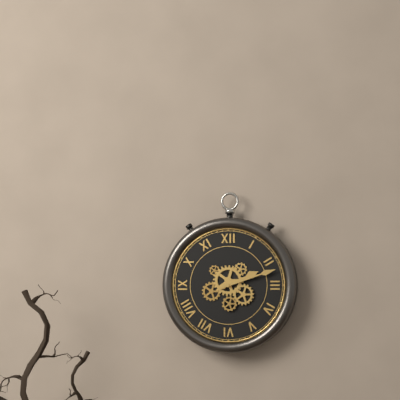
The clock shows **2:12**
